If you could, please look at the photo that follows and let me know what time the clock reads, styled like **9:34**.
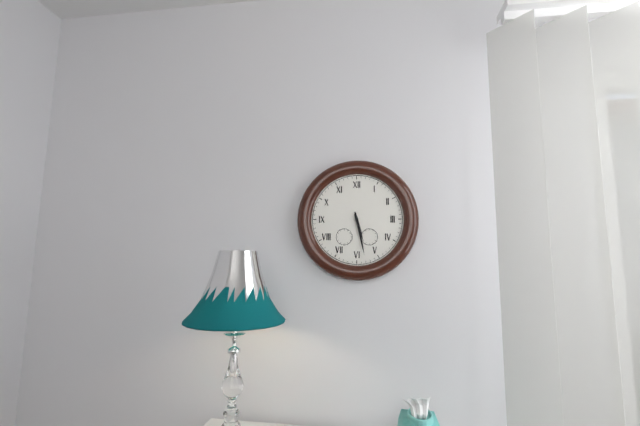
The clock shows **5:28**
